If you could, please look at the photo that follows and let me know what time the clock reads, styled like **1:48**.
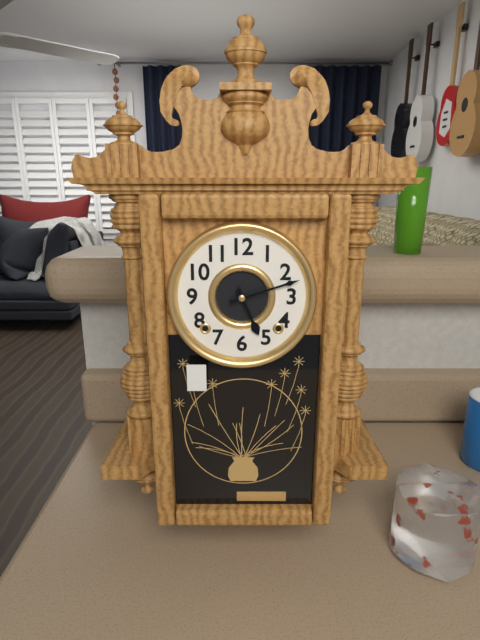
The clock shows **5:12**
